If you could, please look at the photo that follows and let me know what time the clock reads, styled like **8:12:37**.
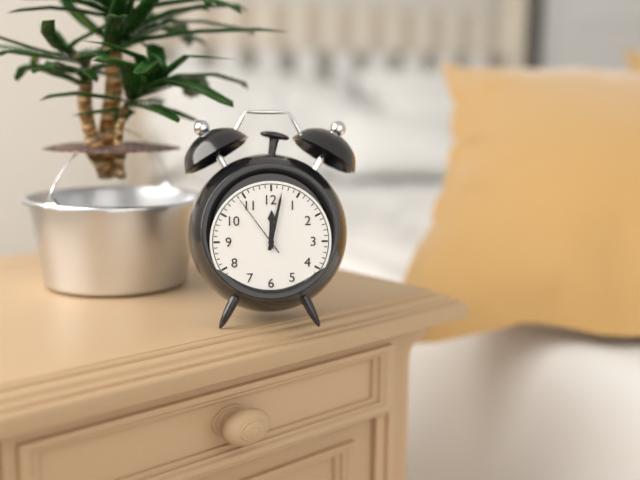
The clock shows **12:02:54**
